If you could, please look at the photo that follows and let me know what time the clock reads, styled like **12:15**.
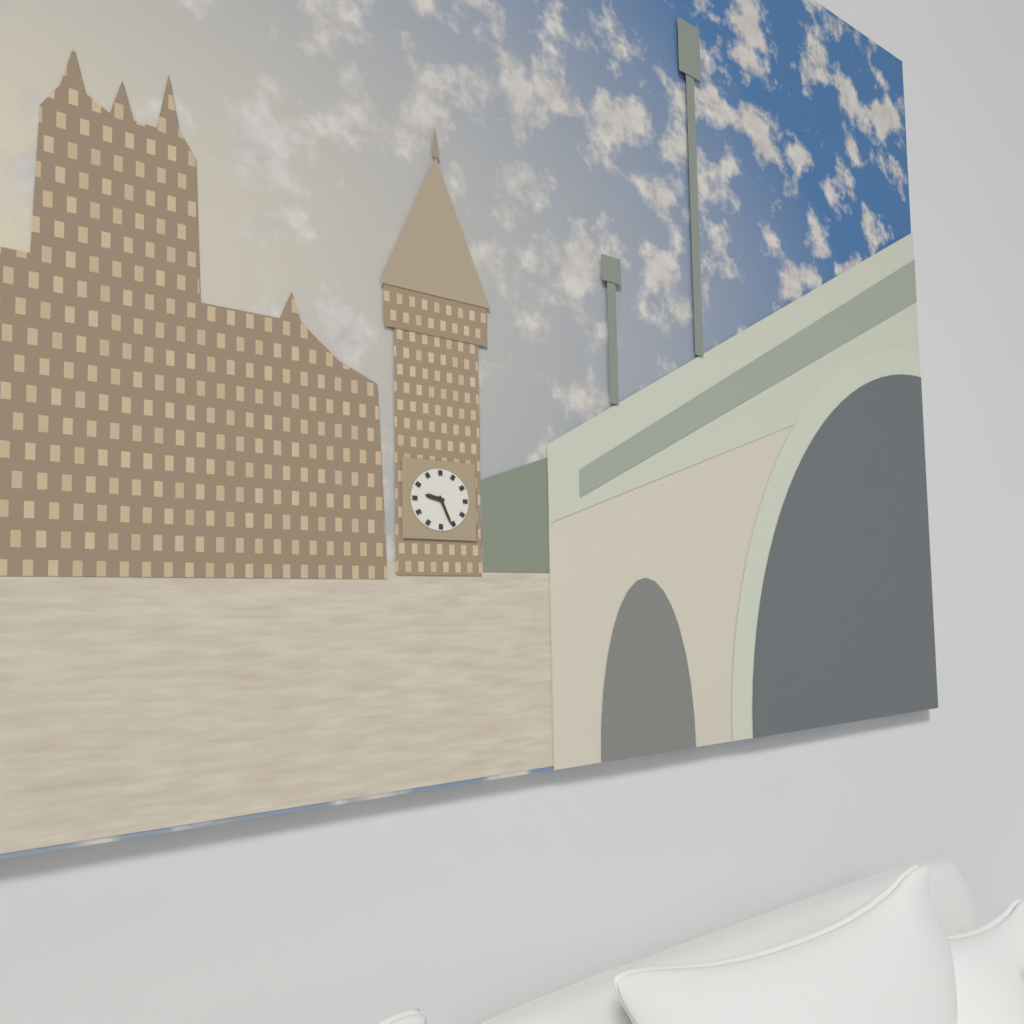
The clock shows **9:26**
